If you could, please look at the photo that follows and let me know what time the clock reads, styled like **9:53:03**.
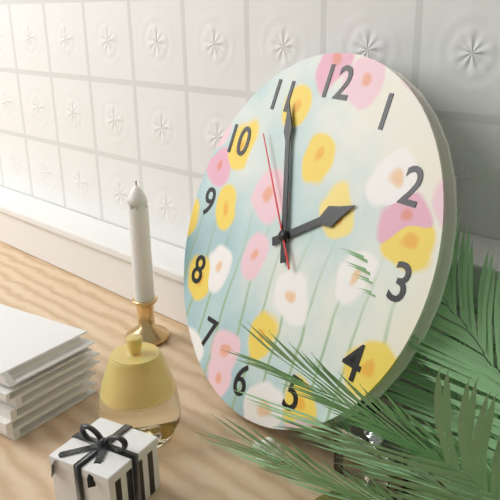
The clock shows **1:56:53**
